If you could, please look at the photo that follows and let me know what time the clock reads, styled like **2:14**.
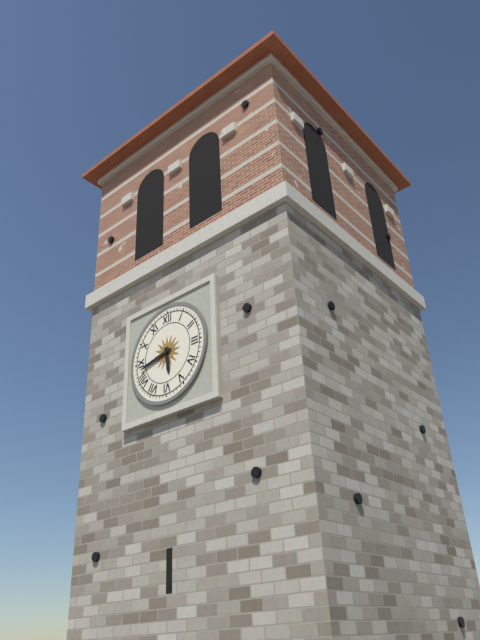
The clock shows **5:43**
